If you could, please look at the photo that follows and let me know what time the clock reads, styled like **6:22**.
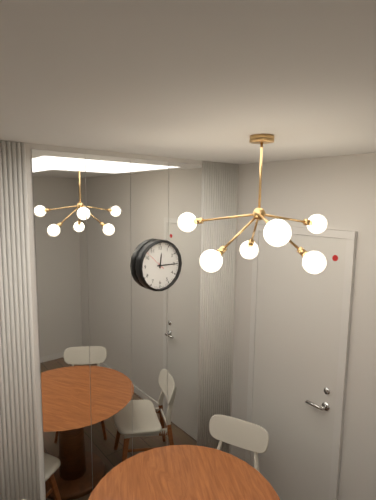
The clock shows **12:15**
